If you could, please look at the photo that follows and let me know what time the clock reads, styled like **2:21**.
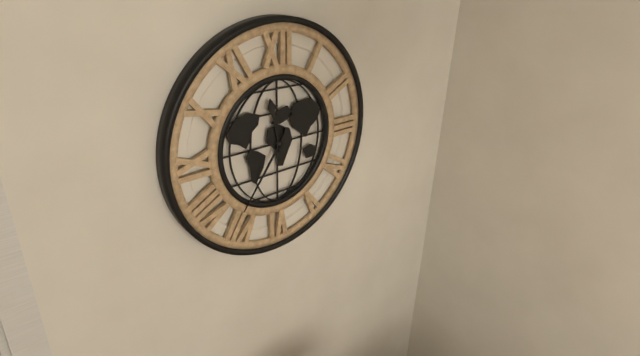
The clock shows **11:36**
